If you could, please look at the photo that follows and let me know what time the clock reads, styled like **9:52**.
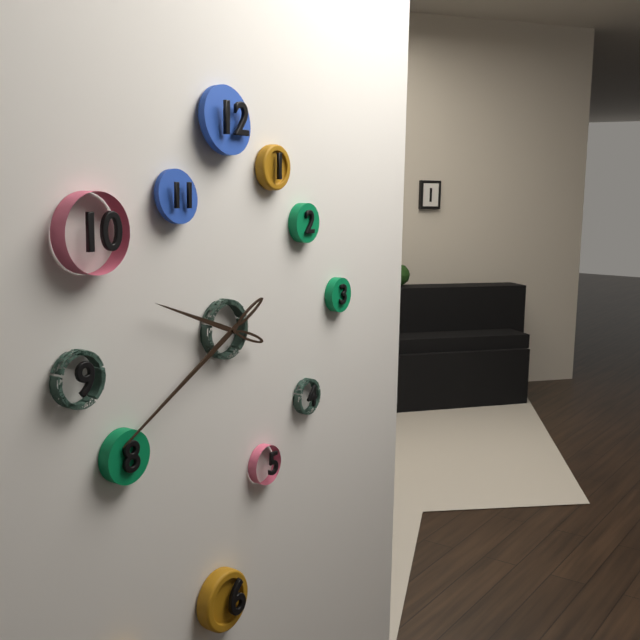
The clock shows **9:40**
